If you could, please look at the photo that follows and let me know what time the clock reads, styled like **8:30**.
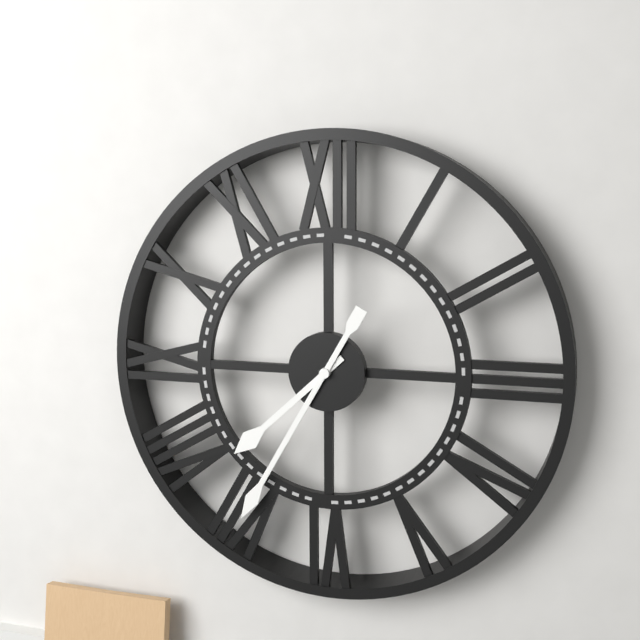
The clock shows **7:35**
